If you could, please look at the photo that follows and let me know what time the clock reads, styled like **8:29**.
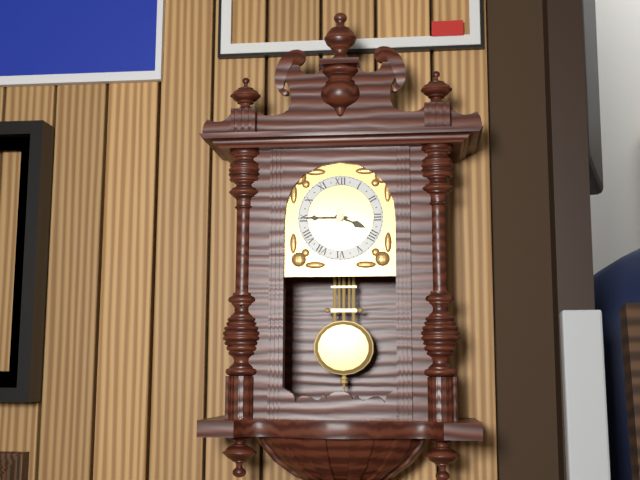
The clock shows **3:45**
